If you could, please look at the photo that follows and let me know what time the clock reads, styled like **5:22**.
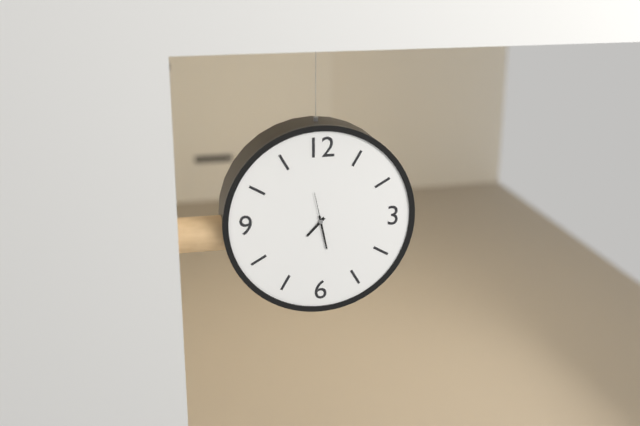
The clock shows **7:28**
